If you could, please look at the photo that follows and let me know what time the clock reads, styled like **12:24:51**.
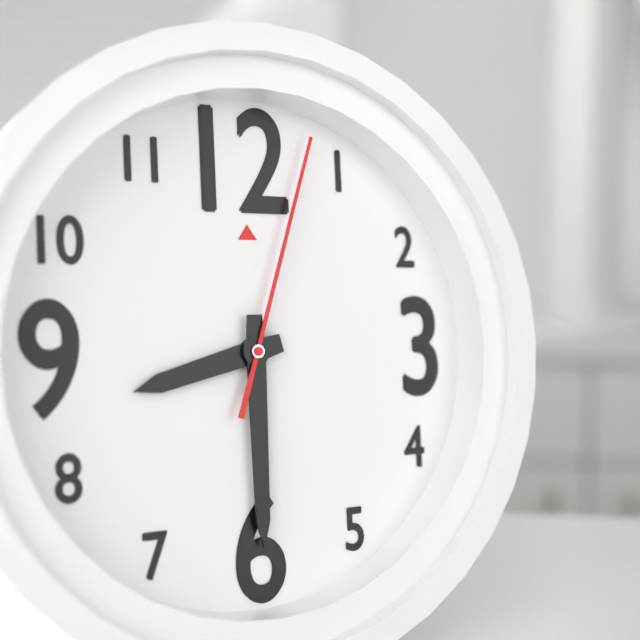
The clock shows **8:30:03**
